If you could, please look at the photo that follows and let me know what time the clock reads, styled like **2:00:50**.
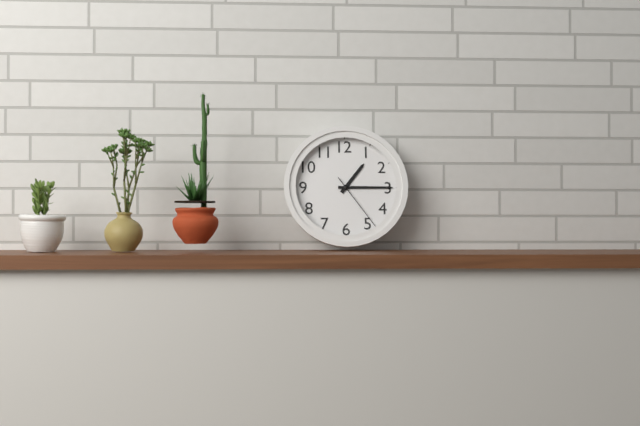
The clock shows **1:15:24**
